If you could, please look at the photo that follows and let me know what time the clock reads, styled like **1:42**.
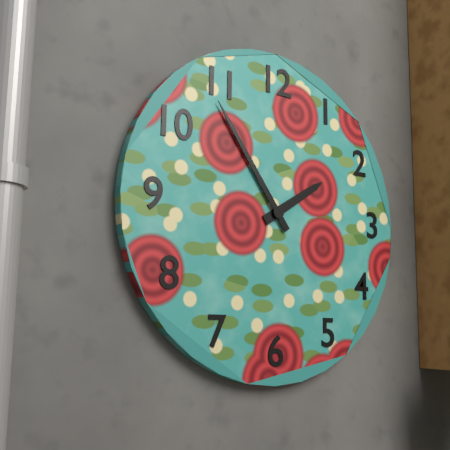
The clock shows **1:54**
